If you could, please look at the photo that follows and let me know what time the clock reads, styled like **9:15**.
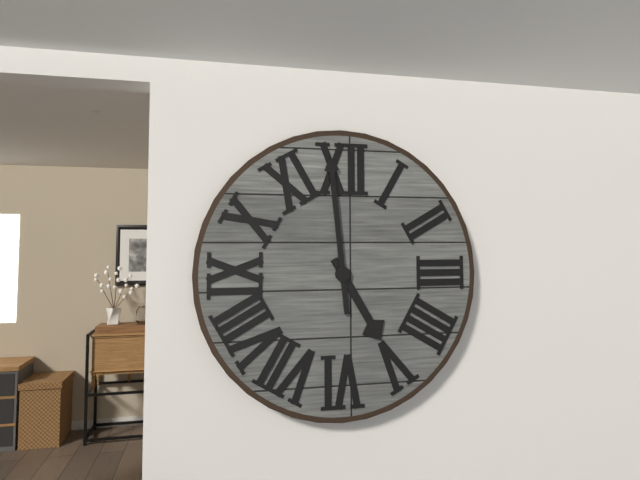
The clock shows **4:59**
